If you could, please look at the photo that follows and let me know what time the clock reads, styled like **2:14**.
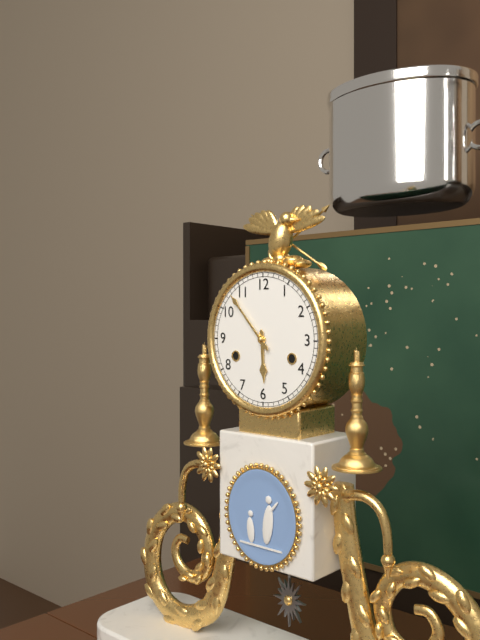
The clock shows **5:53**
